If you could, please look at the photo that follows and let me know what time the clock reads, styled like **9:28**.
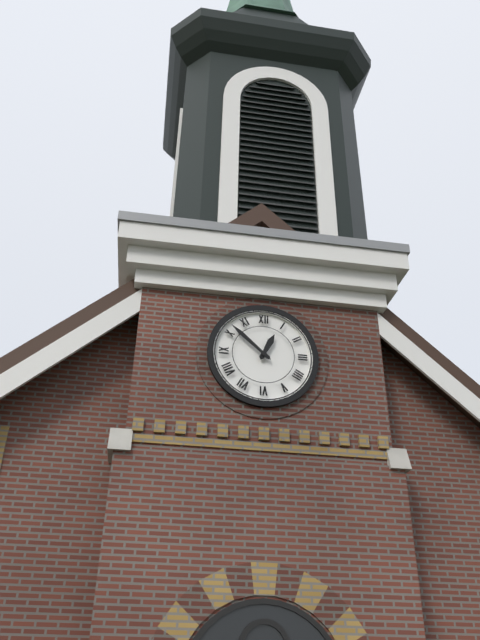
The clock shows **12:52**
